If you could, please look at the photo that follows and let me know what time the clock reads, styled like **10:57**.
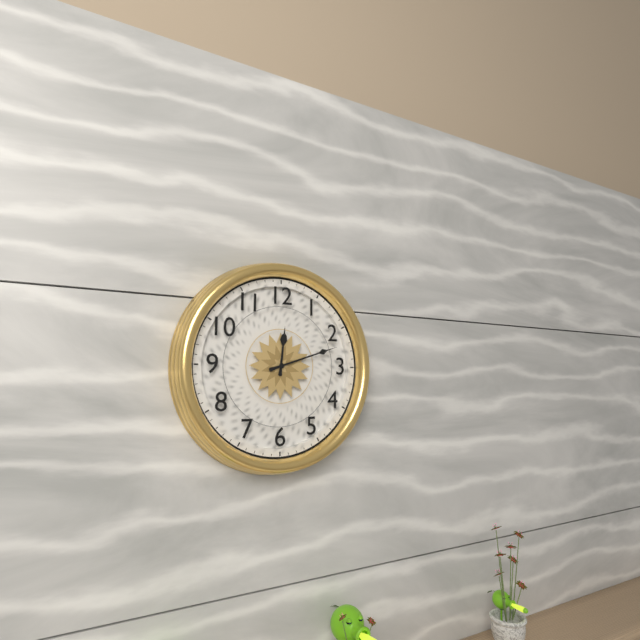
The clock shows **12:12**
